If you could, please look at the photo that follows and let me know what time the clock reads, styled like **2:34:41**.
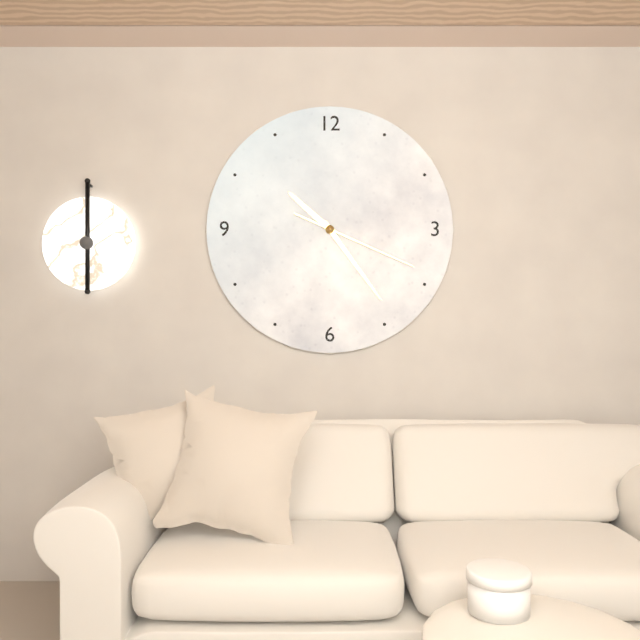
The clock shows **10:24:19**
